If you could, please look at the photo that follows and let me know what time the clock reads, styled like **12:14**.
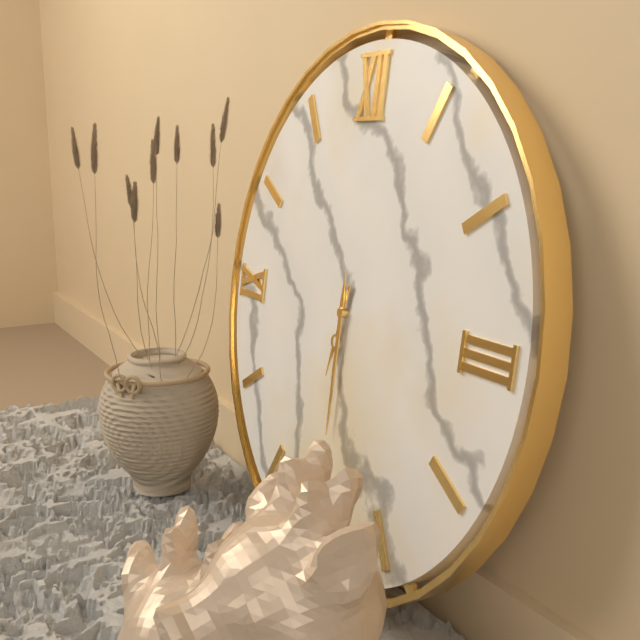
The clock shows **6:30**
